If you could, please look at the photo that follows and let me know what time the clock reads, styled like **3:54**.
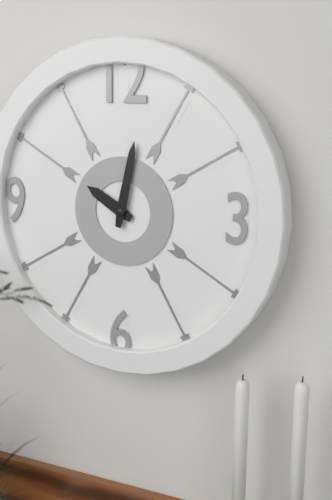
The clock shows **10:02**
